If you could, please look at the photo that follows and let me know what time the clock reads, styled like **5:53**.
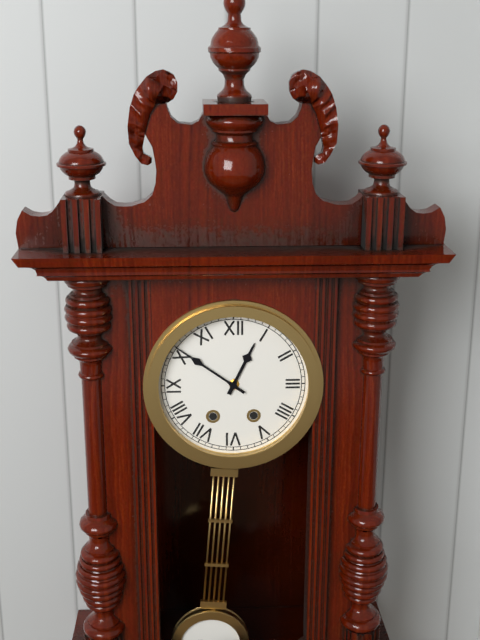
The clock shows **12:51**
